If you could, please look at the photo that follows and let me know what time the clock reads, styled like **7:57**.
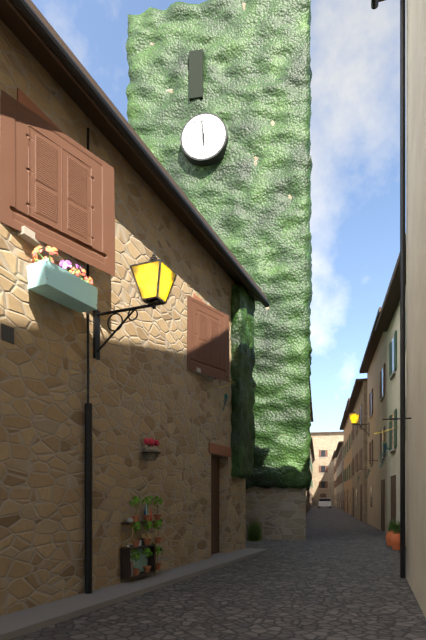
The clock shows **5:59**
